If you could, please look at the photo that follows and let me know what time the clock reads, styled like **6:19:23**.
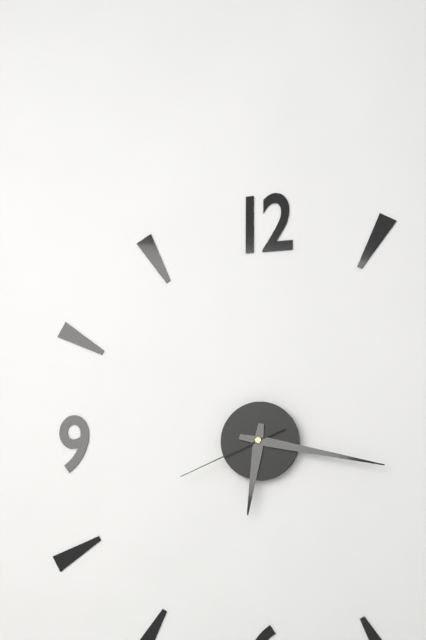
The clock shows **6:17:41**
